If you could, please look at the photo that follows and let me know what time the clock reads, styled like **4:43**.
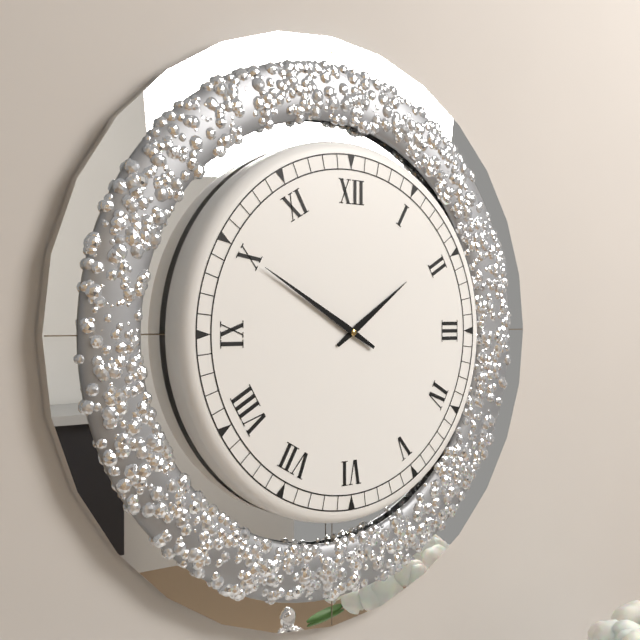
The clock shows **1:50**
